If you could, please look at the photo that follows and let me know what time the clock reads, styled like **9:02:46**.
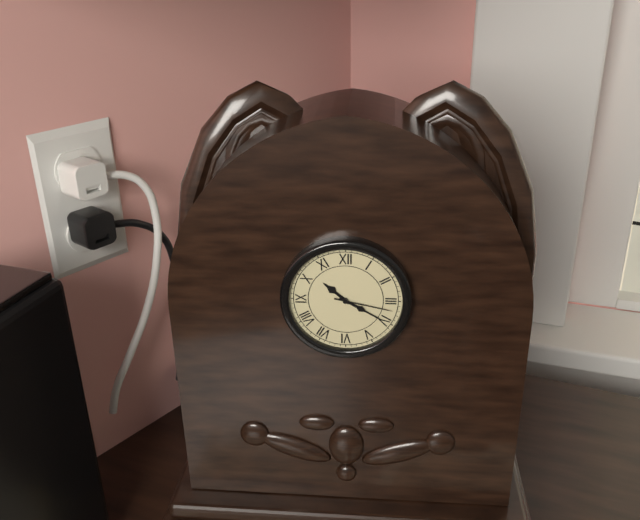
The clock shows **10:20:17**
